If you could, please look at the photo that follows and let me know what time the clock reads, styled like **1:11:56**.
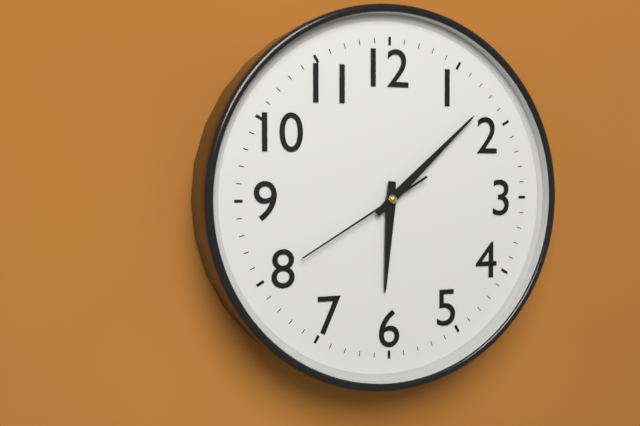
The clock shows **6:08:40**
